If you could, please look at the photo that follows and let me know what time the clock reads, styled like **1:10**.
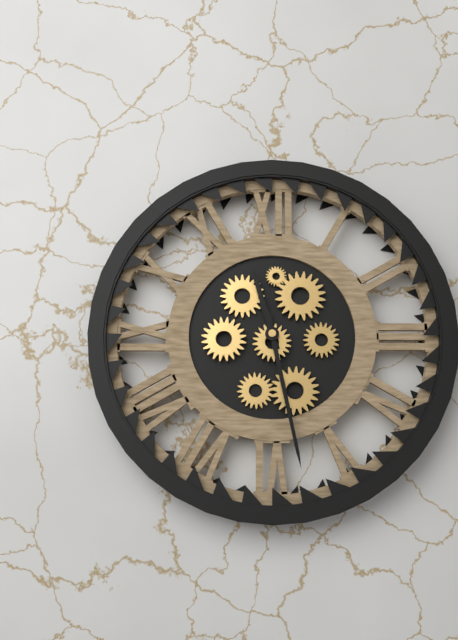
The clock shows **11:28**
